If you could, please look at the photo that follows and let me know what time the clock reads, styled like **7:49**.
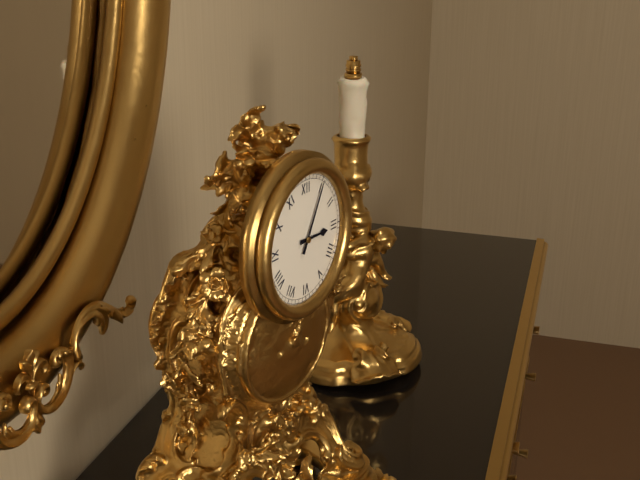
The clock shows **3:05**
